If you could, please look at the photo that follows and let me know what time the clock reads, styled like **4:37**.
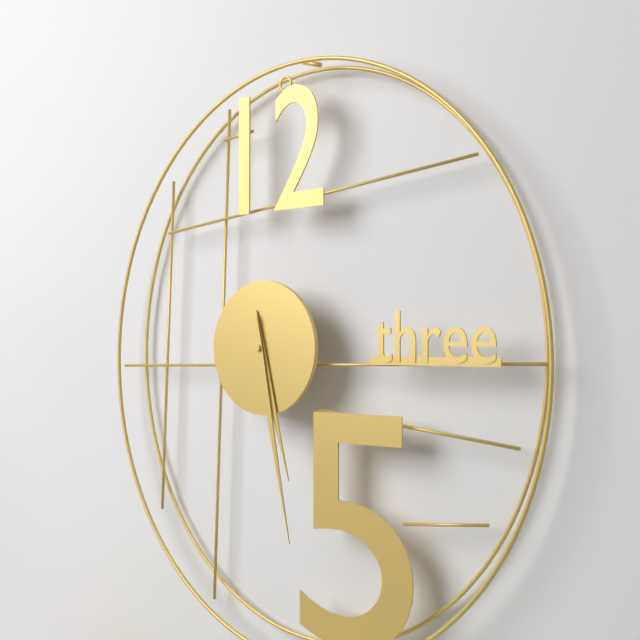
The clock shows **5:28**
